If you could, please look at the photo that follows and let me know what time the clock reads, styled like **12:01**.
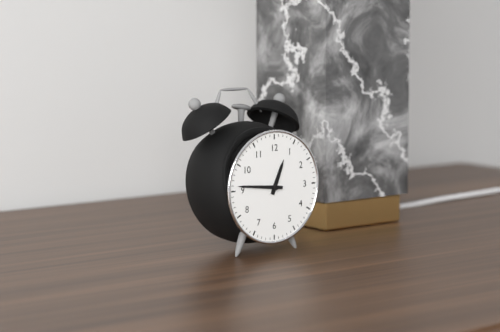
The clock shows **12:46**
